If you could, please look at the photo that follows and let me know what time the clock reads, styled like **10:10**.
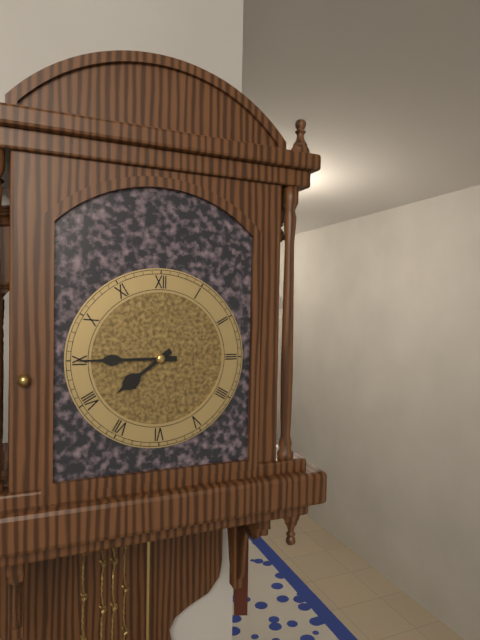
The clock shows **7:45**
